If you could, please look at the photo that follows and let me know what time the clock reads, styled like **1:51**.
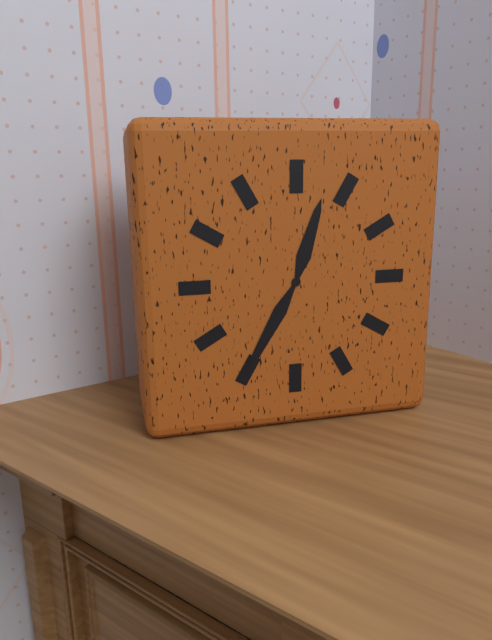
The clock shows **12:35**
